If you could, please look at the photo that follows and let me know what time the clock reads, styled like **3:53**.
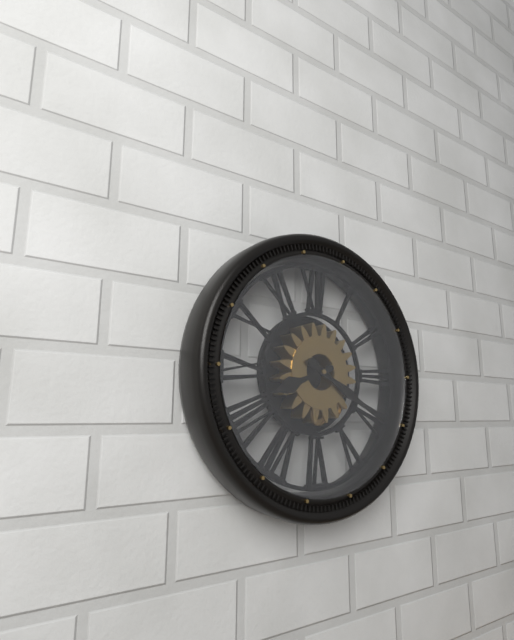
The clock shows **8:20**
